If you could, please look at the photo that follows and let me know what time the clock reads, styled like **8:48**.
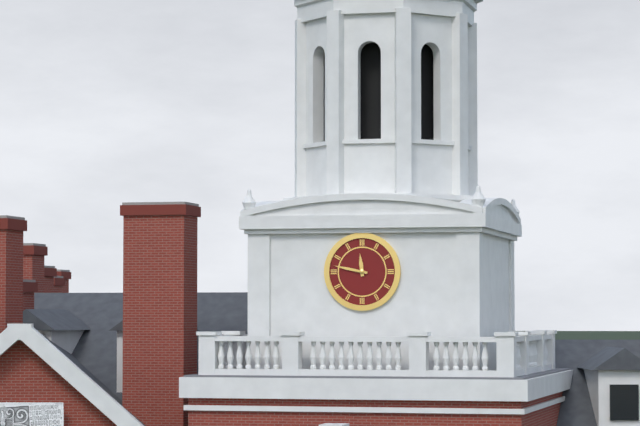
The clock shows **11:47**
